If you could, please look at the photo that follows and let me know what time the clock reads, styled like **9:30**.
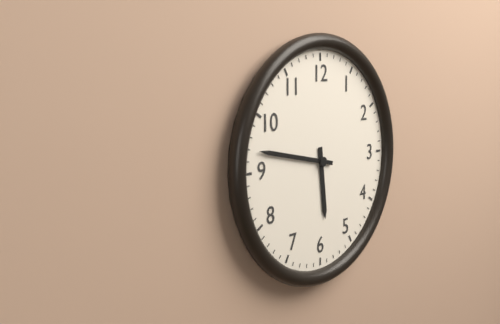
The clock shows **5:47**
